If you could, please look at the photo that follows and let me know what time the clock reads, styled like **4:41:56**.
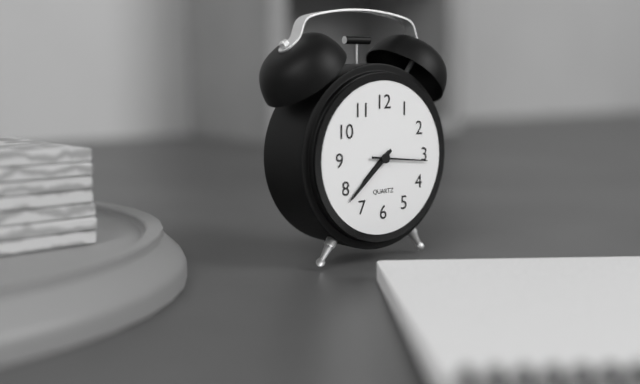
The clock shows **7:38:16**
